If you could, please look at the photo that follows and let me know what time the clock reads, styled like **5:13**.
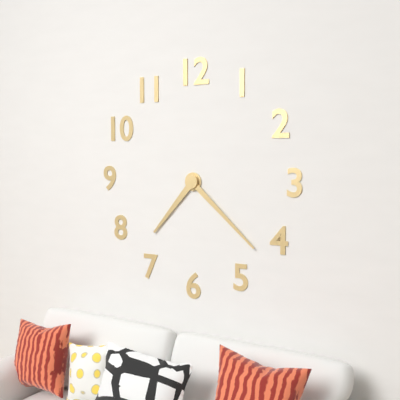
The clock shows **7:22**
